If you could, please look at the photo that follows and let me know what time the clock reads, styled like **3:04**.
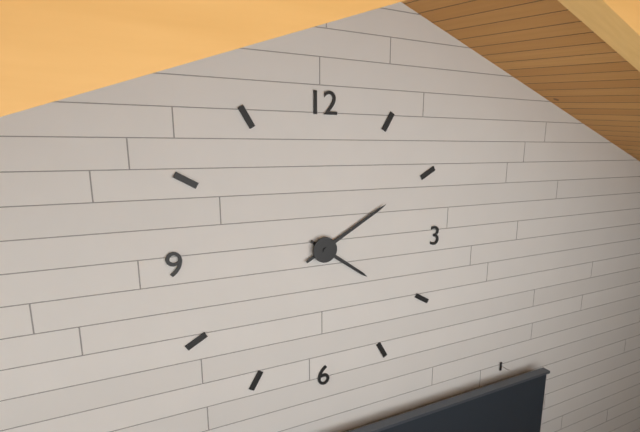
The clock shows **4:10**
